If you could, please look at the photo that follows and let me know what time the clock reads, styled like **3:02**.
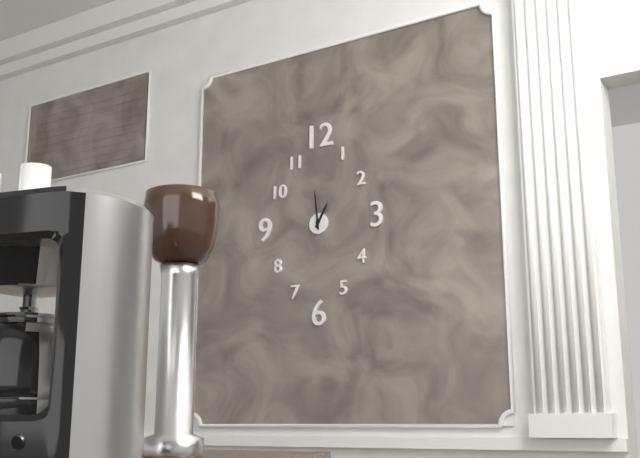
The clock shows **12:59**
